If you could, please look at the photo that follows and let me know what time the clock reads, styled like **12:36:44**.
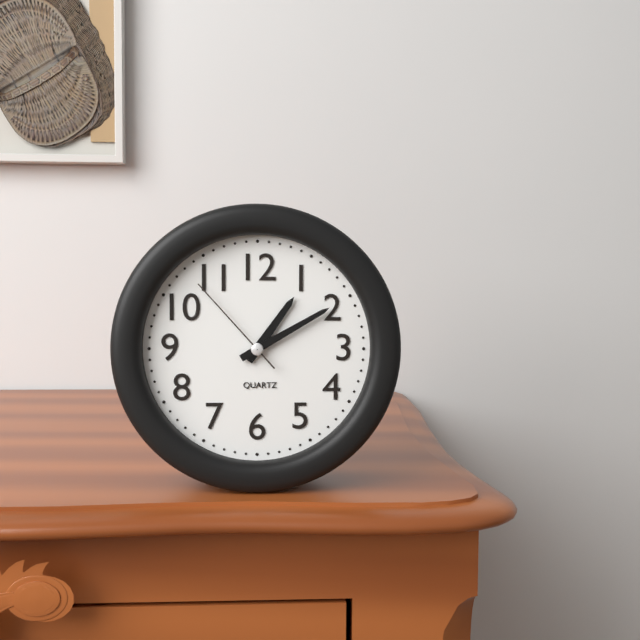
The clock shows **1:10:53**
